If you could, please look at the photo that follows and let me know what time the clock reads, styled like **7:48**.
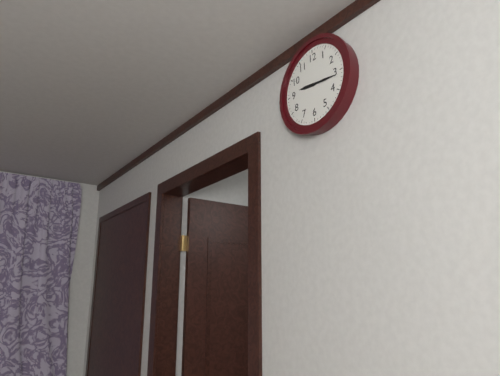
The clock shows **9:16**
